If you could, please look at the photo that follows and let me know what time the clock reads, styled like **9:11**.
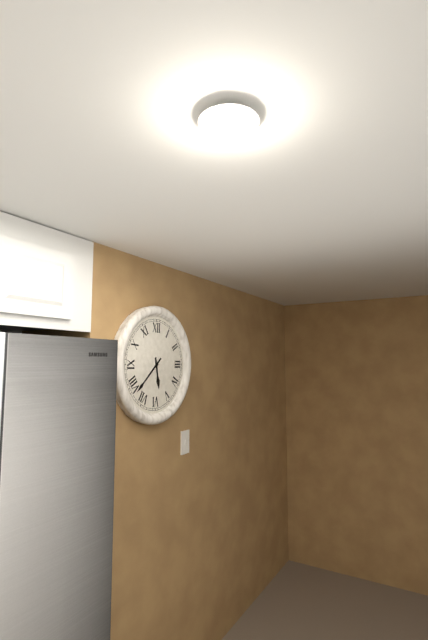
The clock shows **5:38**
